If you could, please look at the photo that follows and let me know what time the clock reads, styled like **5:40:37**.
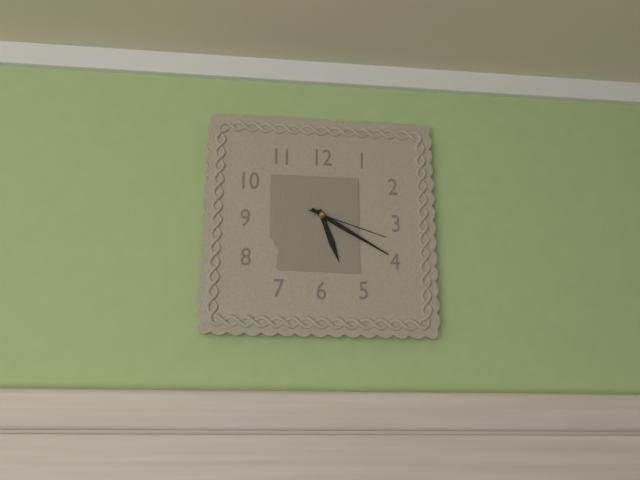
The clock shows **5:20:18**
